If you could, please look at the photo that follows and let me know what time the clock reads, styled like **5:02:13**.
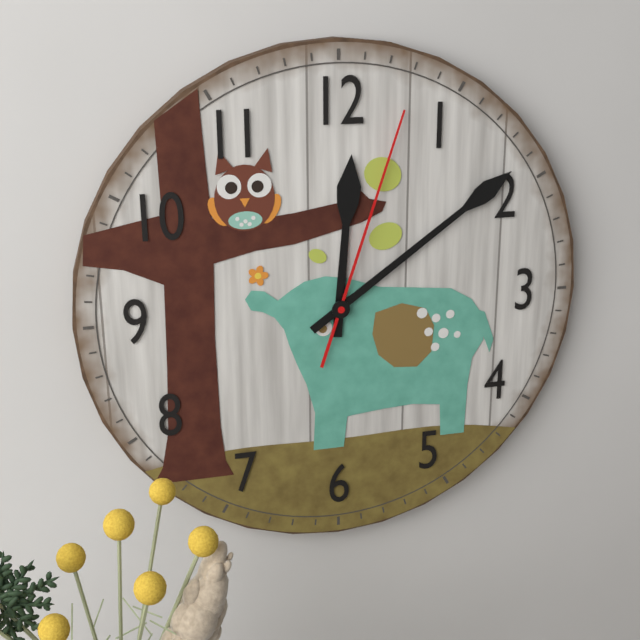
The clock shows **12:09:03**
